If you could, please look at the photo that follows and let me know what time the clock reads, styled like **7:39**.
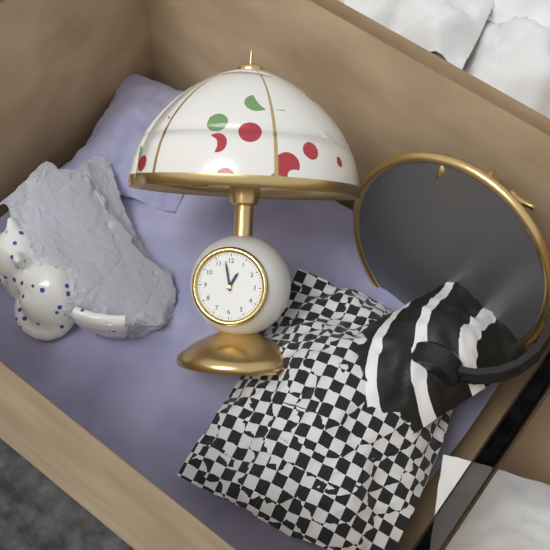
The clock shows **12:58**
